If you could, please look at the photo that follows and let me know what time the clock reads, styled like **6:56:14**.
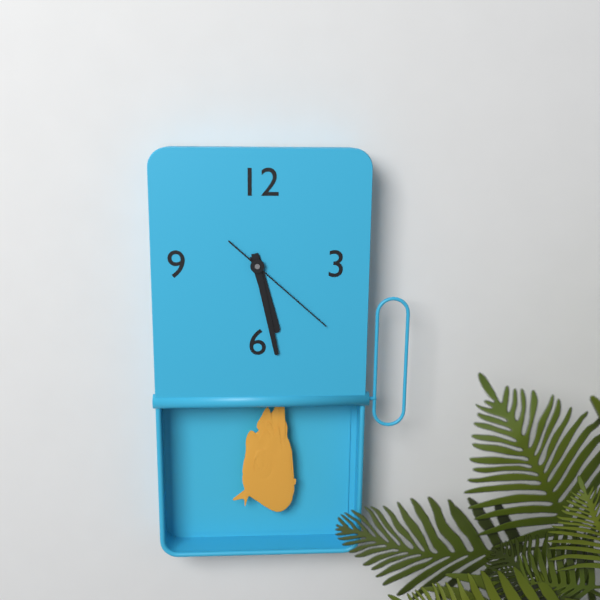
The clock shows **5:28:22**
